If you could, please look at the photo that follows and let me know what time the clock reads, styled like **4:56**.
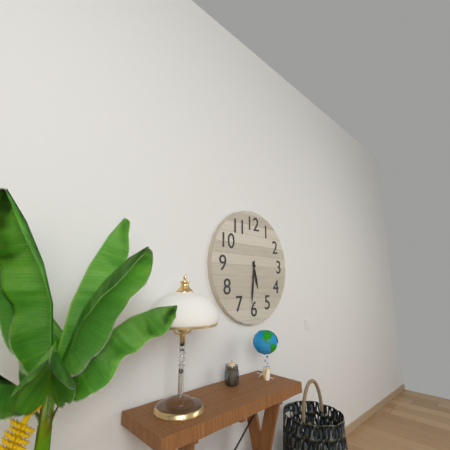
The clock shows **5:31**
